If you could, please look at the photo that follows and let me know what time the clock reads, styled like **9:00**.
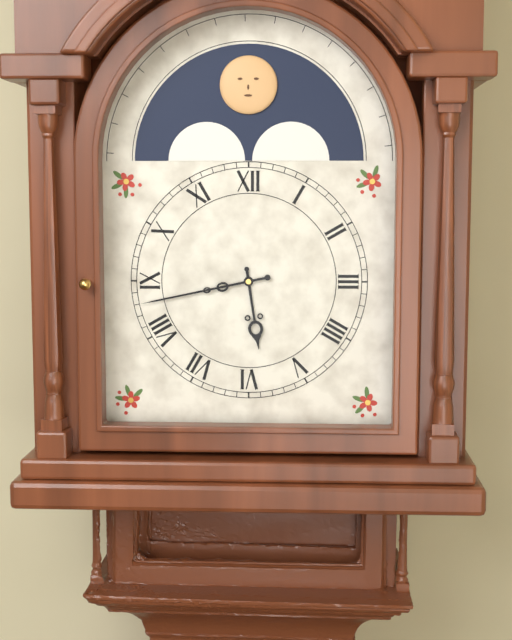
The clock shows **5:43**
